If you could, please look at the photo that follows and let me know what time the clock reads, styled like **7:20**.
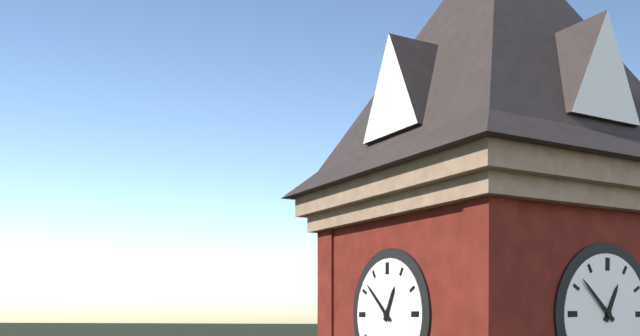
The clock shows **12:52**
